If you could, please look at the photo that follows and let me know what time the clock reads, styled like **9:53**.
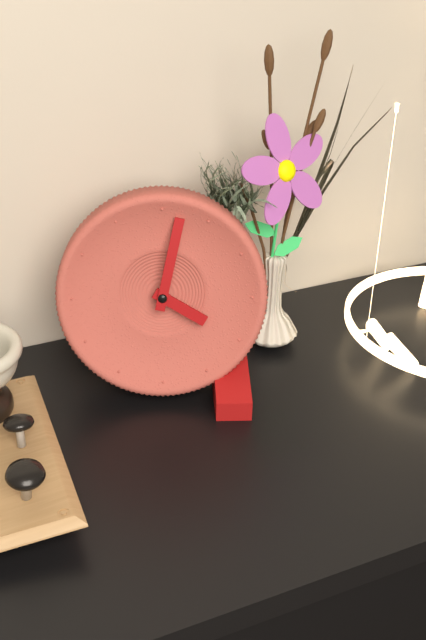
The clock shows **4:02**
